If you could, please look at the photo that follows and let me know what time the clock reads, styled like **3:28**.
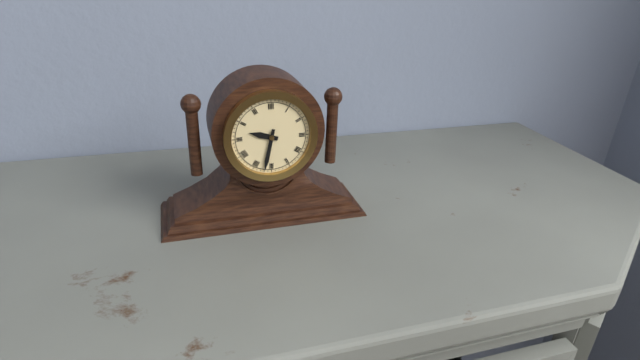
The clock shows **9:32**
